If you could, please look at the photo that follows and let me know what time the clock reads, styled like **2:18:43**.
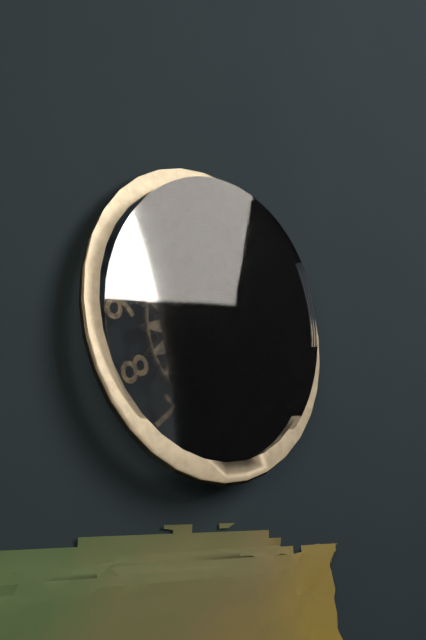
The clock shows **11:55:46**
